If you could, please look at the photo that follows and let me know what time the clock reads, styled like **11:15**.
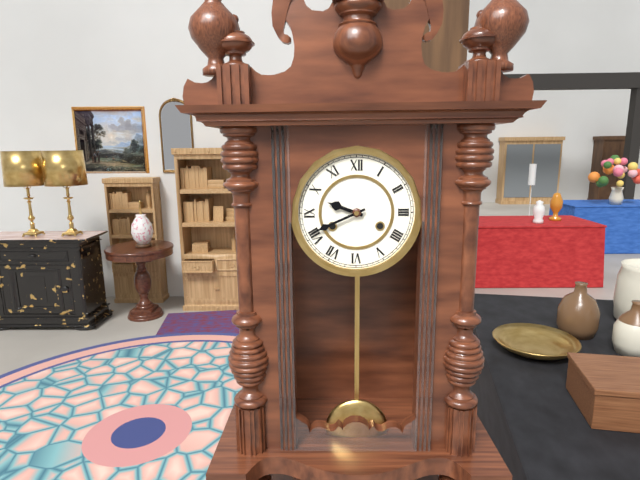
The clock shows **9:41**
